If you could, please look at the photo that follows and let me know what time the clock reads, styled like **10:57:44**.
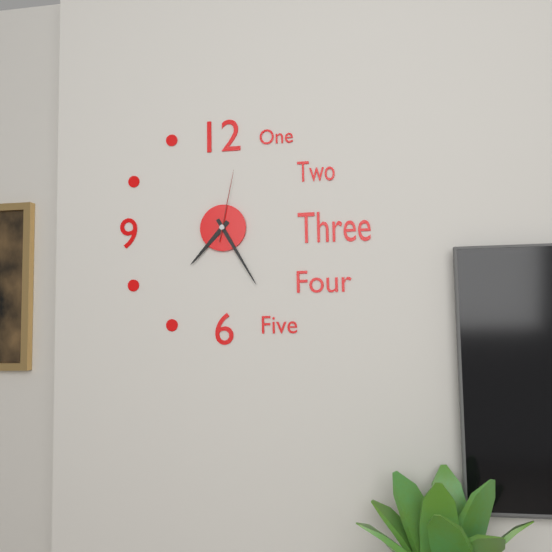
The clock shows **7:25:02**
